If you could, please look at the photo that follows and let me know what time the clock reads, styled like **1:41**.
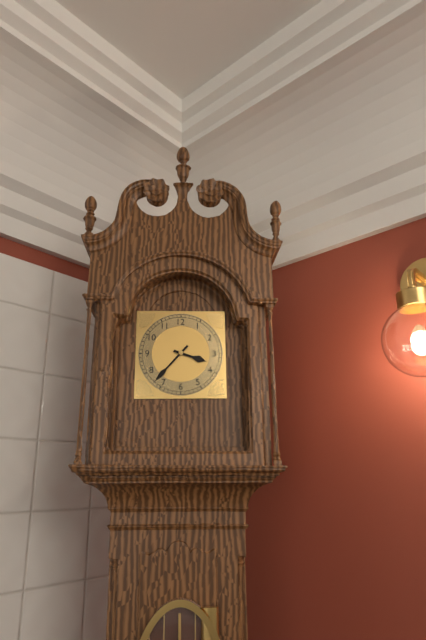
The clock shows **3:37**
